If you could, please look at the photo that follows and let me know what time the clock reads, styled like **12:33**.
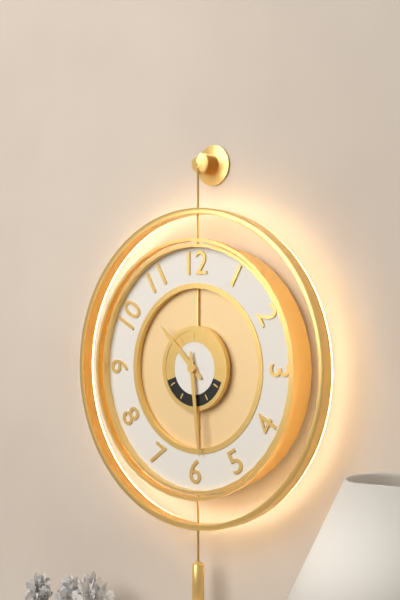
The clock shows **10:29**
